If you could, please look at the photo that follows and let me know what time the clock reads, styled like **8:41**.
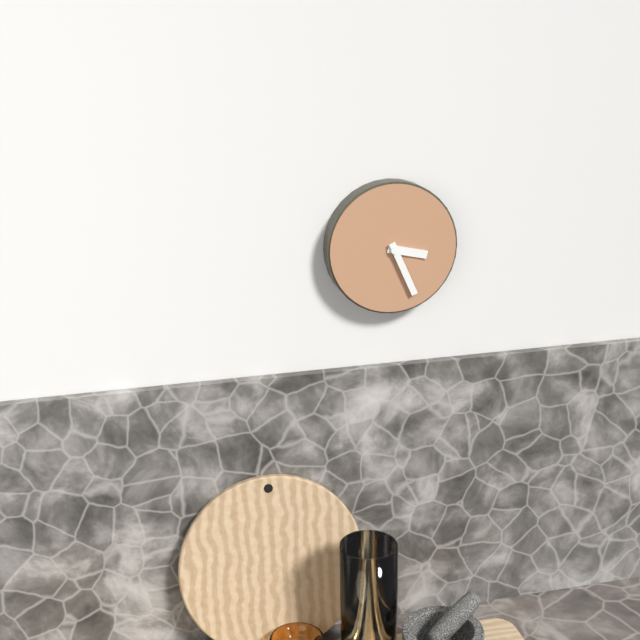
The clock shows **3:26**
